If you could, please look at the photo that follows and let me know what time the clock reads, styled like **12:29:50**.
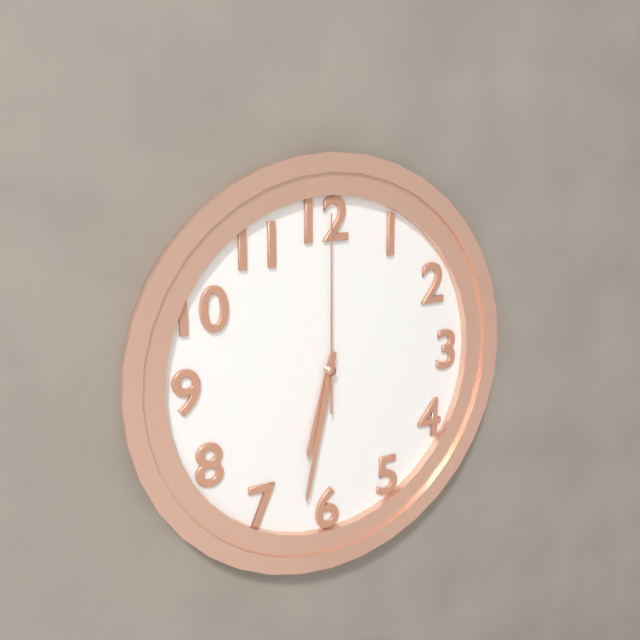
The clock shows **6:32:00**
